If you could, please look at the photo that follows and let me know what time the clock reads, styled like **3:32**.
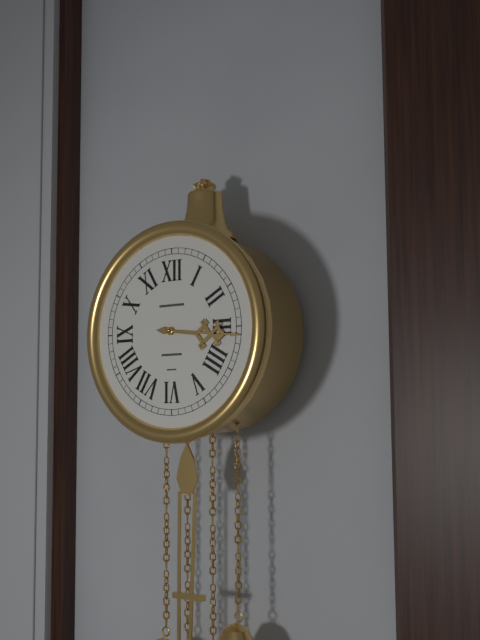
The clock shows **3:16**
